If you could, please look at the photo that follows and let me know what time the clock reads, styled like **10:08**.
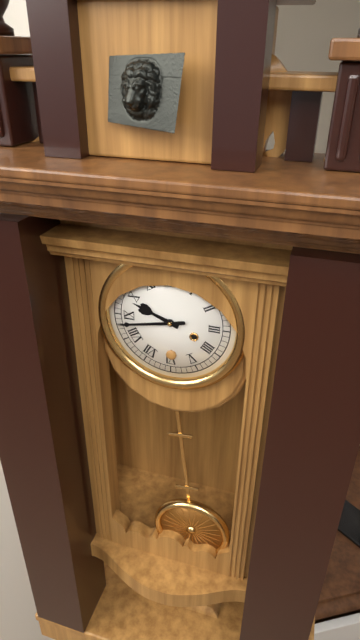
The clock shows **9:43**
